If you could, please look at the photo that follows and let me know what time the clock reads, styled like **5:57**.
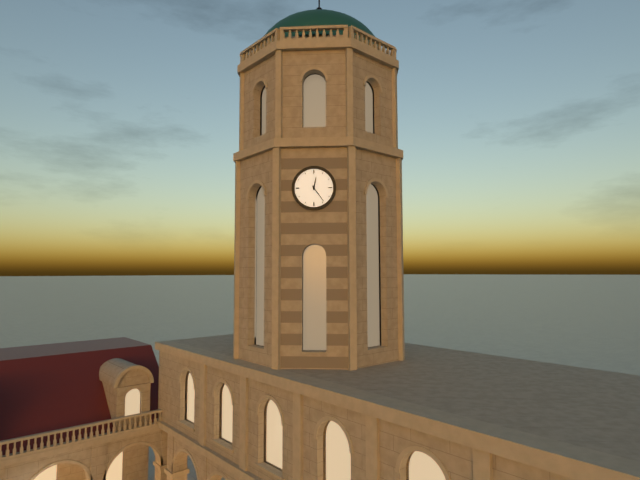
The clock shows **12:24**
